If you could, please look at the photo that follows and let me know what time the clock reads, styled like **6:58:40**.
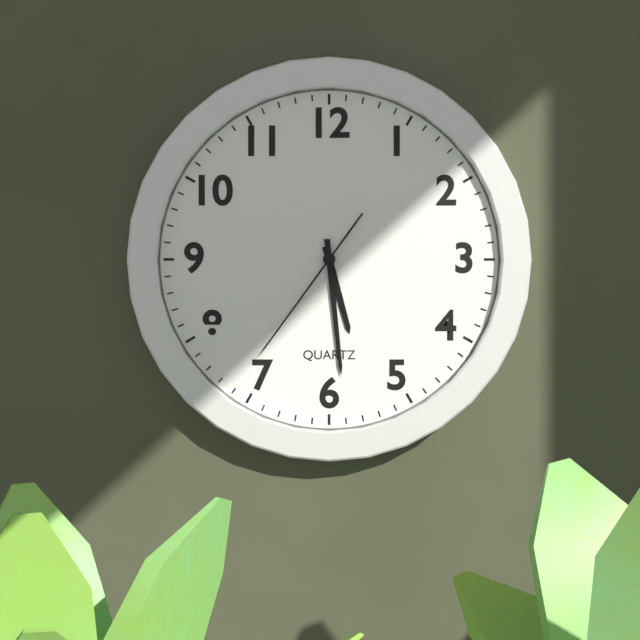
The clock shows **5:29:36**
